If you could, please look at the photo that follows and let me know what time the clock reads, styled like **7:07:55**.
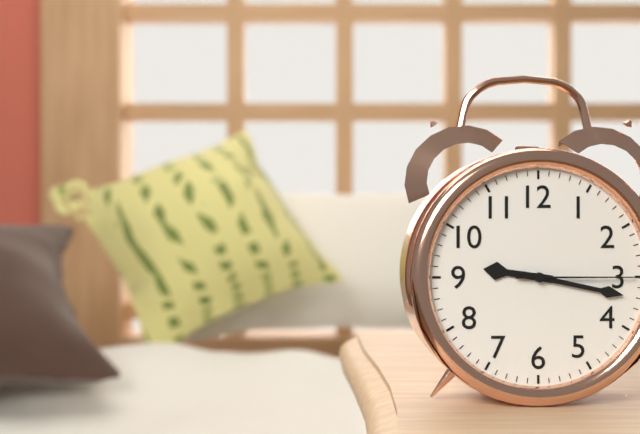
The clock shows **9:17:15**
